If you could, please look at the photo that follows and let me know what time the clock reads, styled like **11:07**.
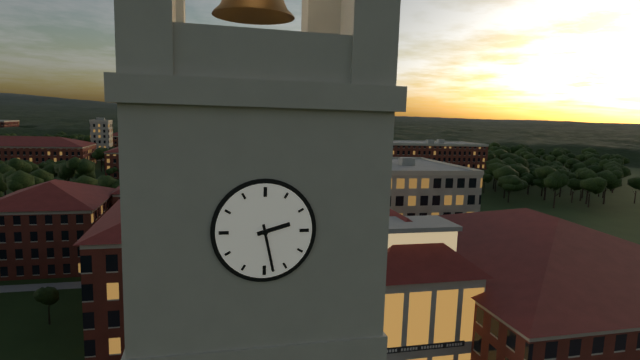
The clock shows **2:28**
